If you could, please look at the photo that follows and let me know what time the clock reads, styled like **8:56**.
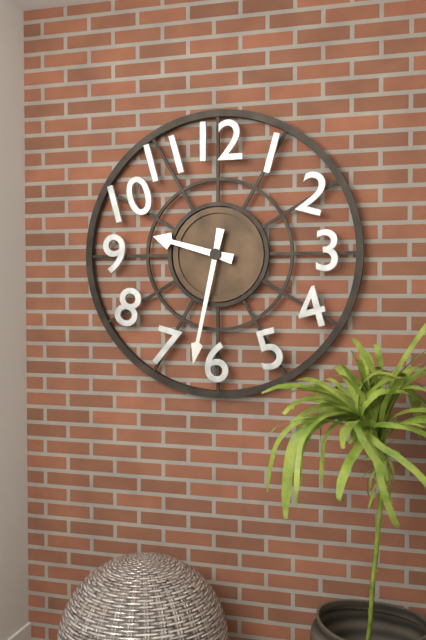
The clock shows **9:32**
